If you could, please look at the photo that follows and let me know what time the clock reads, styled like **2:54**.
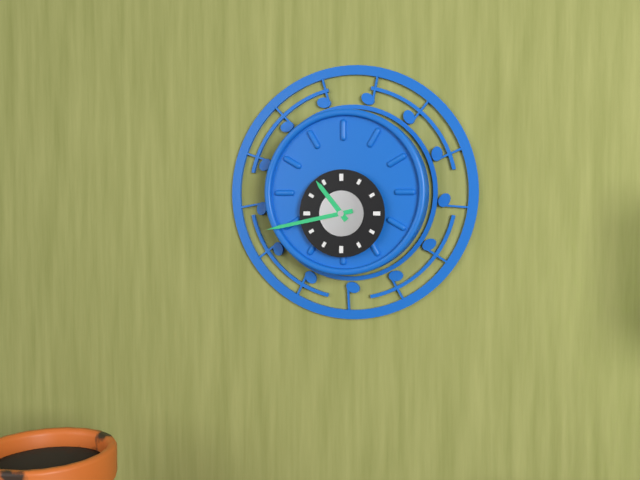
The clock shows **10:43**
